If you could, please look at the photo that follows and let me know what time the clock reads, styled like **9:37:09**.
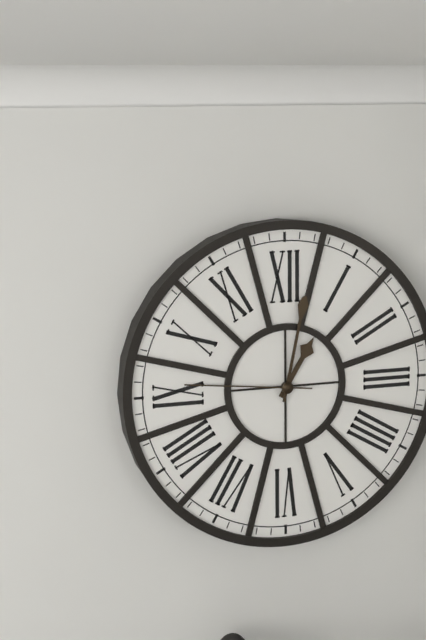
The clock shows **1:02:46**
